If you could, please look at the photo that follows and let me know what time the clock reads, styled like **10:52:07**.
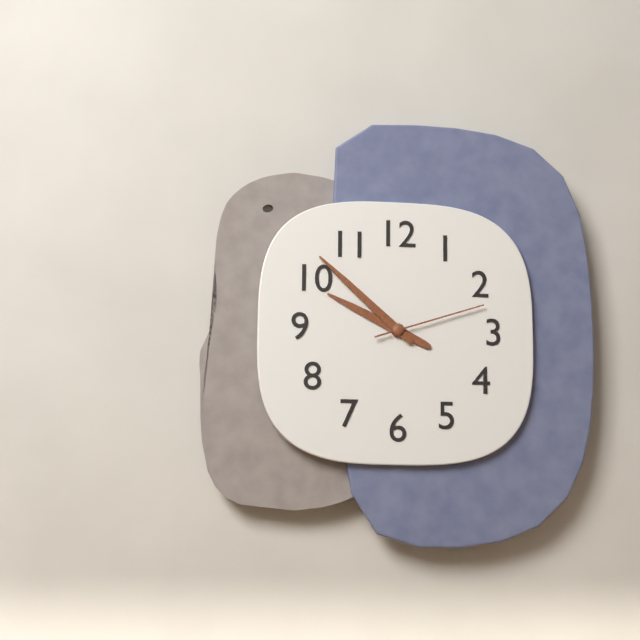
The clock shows **9:52:12**
